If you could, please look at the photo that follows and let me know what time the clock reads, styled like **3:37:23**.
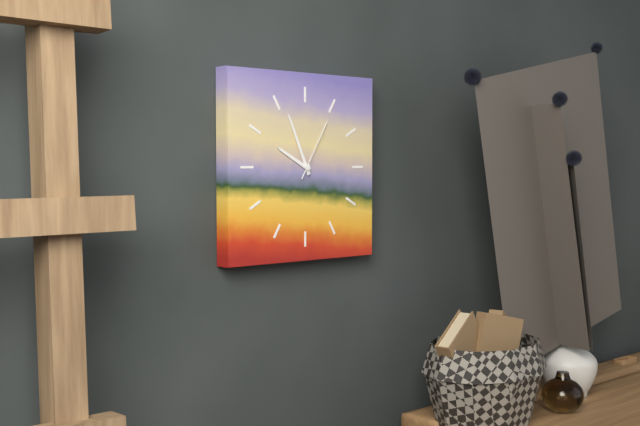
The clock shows **9:56:05**
